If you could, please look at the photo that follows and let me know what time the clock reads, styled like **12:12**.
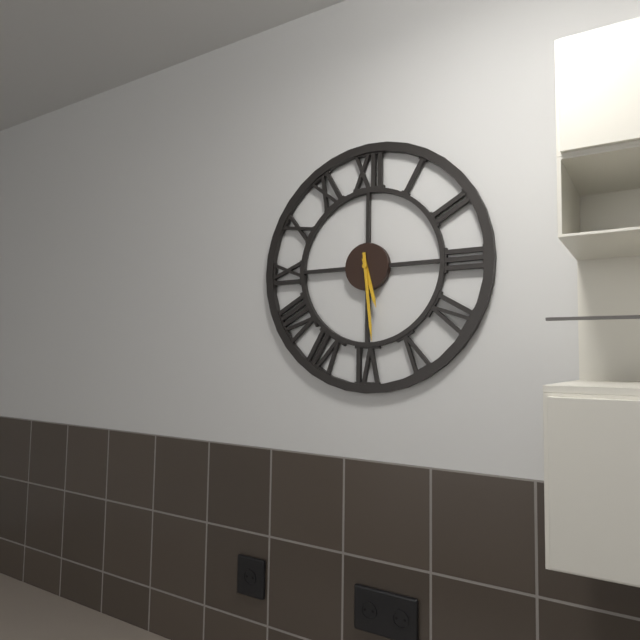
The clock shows **5:29**
